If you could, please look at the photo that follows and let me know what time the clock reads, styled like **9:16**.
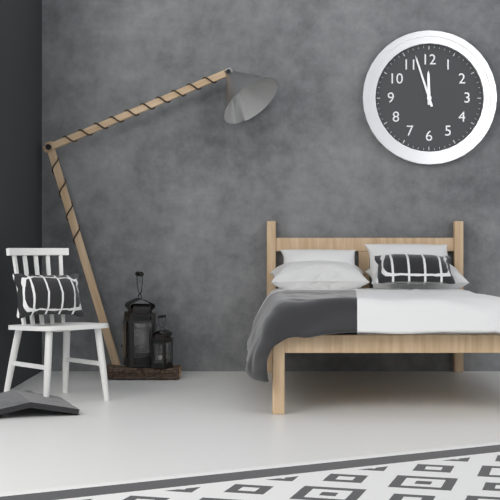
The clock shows **11:57**
